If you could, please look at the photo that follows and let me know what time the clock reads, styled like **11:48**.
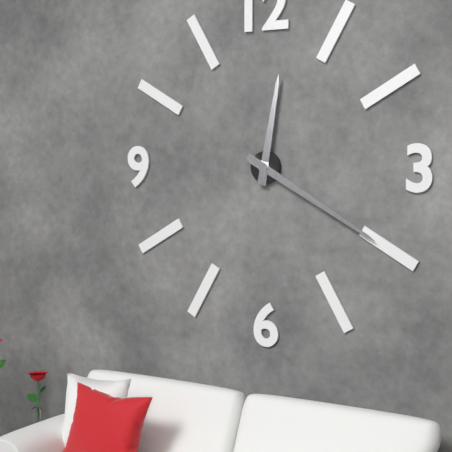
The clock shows **12:20**
